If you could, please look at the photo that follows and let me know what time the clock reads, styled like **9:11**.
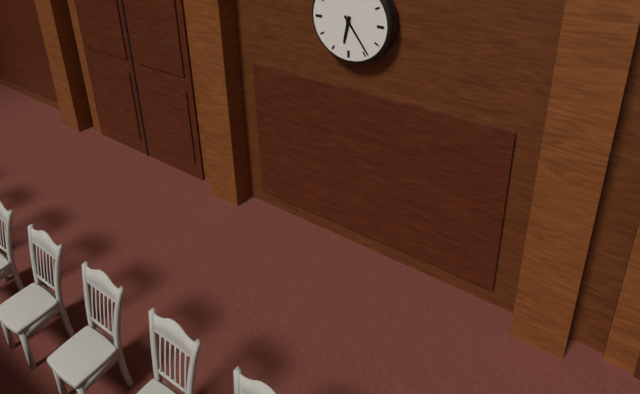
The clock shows **6:24**
